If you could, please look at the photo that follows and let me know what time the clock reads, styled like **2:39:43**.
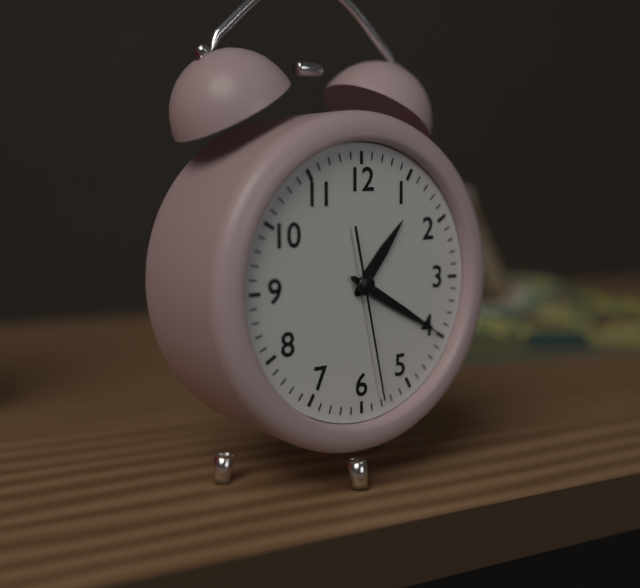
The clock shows **1:20:28**
